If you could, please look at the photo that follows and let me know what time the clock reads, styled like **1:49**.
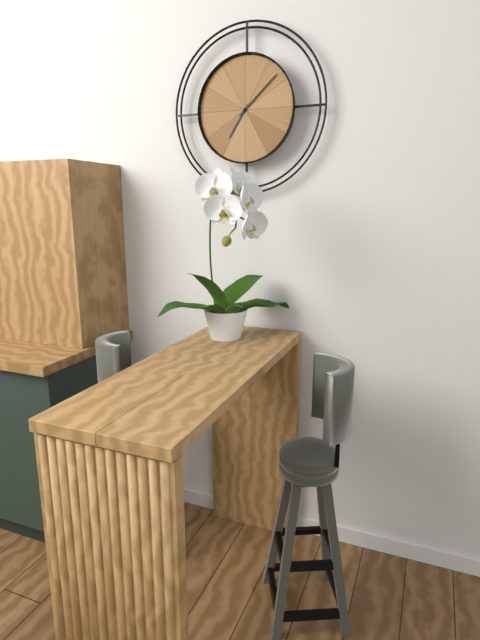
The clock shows **7:08**
